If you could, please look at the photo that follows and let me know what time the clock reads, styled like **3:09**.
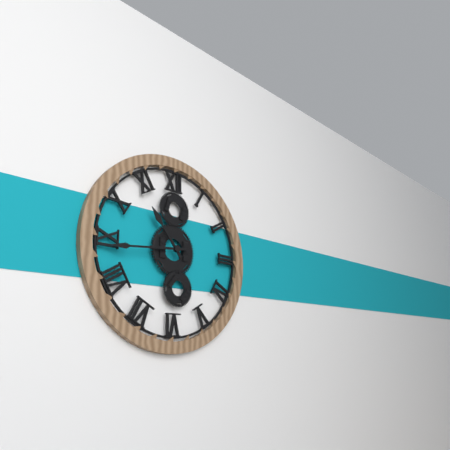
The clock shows **10:44**
